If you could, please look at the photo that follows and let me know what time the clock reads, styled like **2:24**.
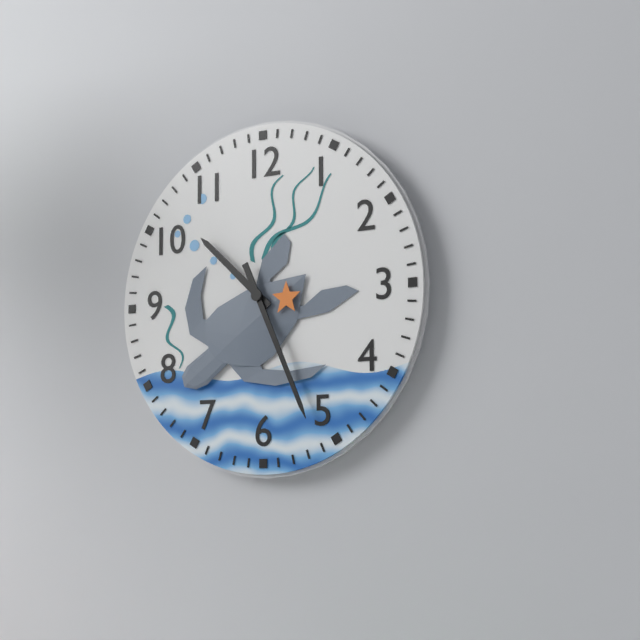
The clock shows **10:26**
